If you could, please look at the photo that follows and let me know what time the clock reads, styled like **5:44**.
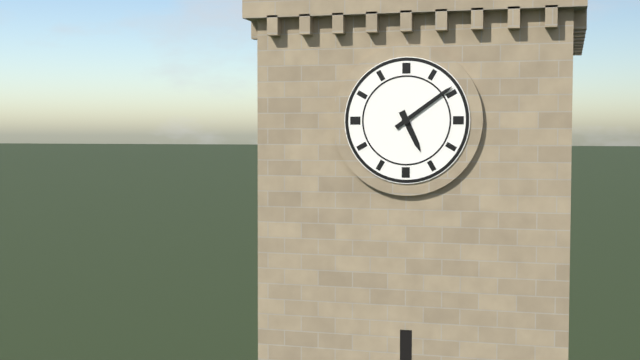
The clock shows **5:09**
